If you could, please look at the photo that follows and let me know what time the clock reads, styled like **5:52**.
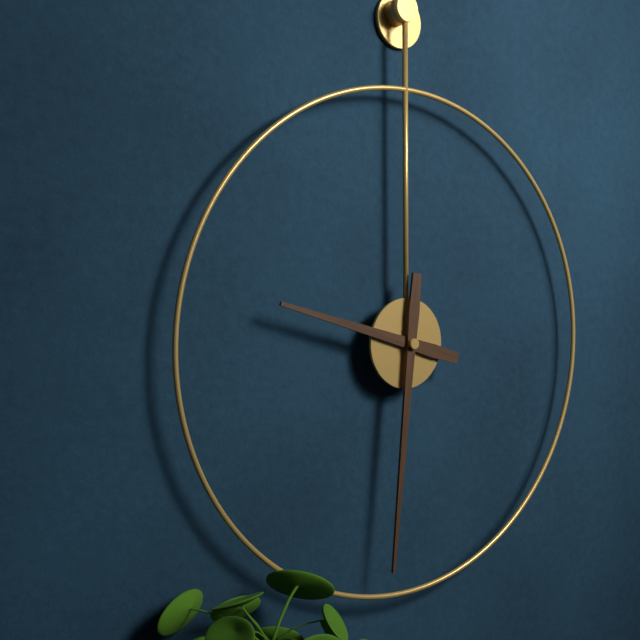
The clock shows **9:31**
